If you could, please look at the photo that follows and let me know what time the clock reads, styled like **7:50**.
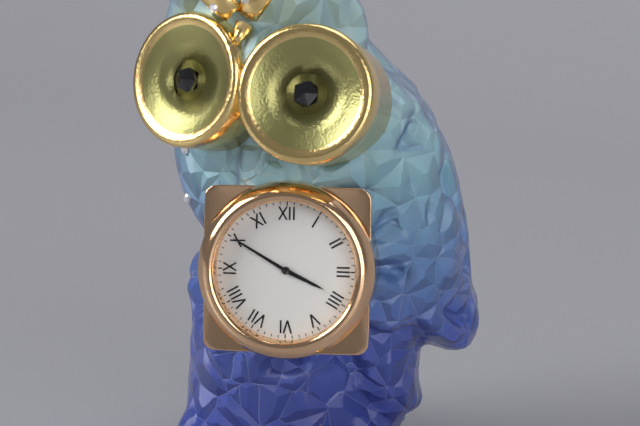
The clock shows **3:50**
